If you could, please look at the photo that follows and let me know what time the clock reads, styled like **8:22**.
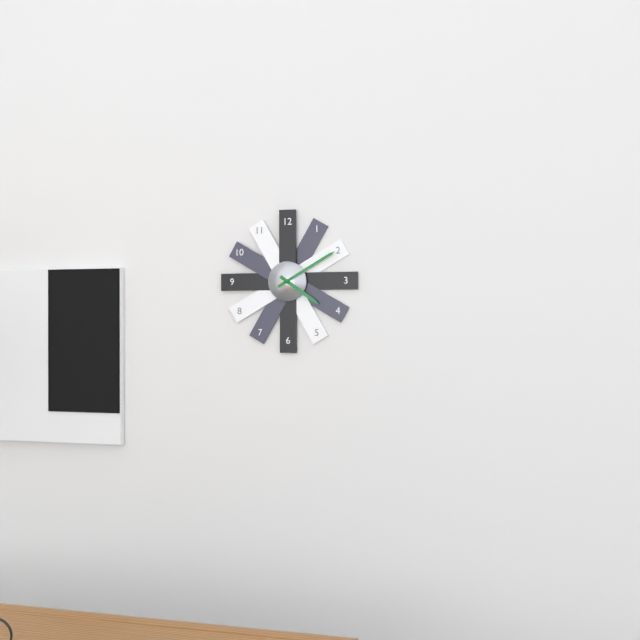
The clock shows **4:10**
